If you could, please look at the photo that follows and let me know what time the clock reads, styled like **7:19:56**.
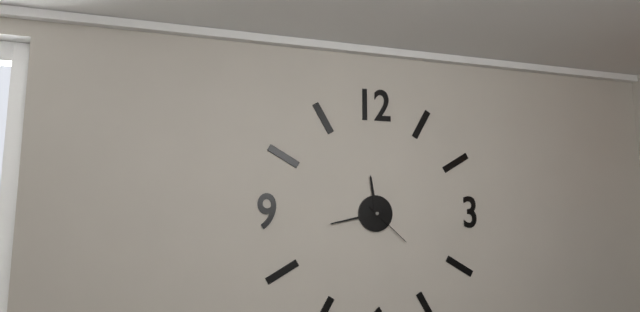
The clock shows **11:43:22**
